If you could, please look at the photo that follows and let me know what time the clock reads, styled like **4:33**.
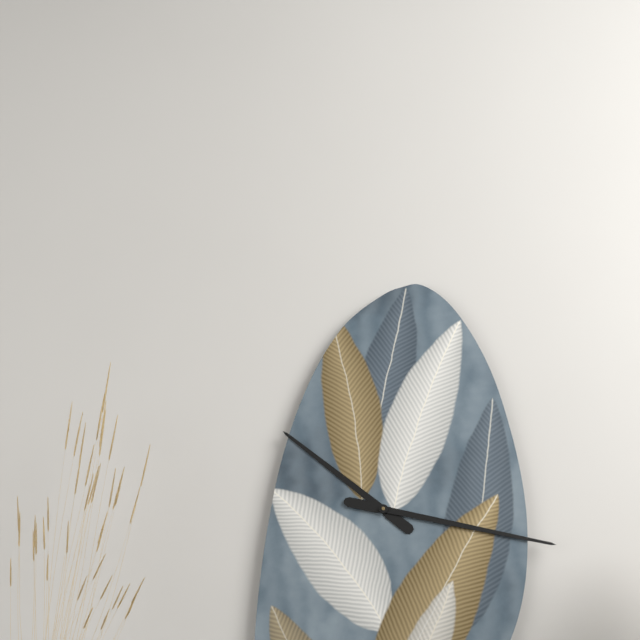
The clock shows **10:17**
